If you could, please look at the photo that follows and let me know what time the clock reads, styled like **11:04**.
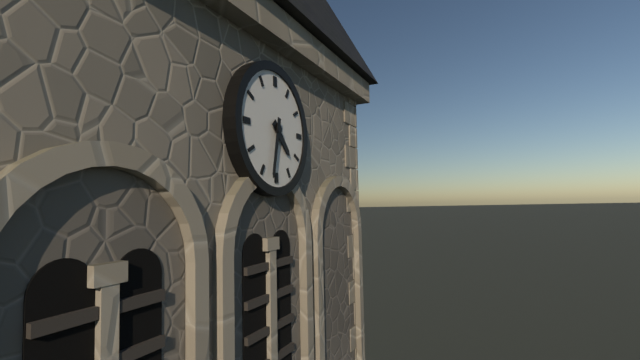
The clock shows **4:32**
